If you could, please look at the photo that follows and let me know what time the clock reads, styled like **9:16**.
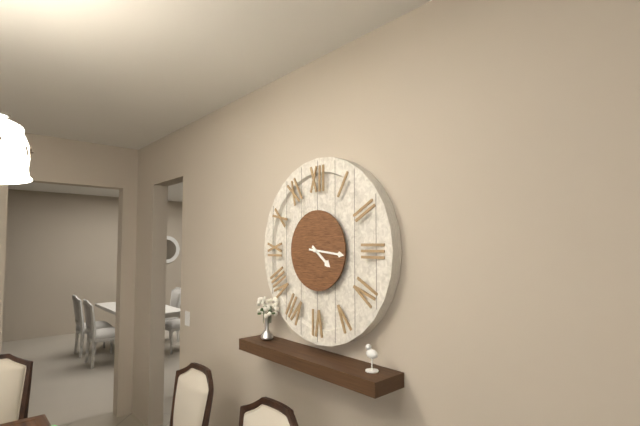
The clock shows **4:16**
